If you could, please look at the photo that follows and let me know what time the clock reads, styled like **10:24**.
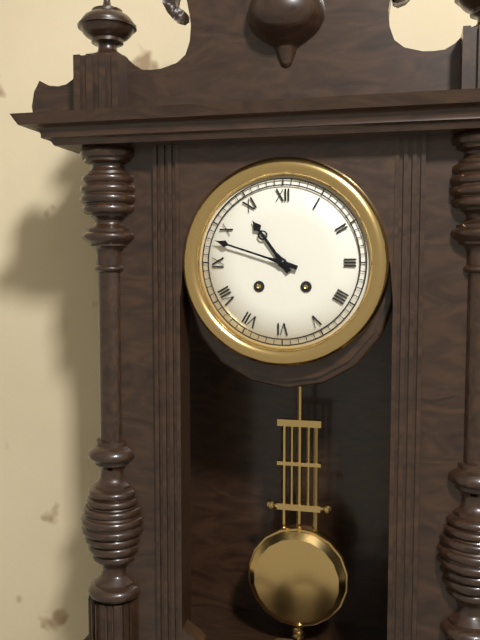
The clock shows **10:48**
